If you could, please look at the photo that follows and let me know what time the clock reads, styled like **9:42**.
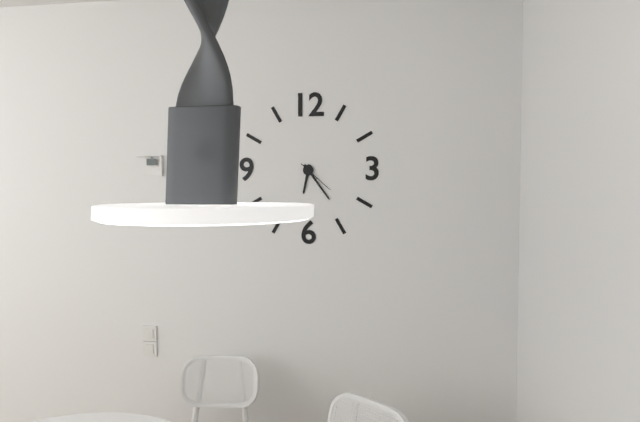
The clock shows **6:24**
